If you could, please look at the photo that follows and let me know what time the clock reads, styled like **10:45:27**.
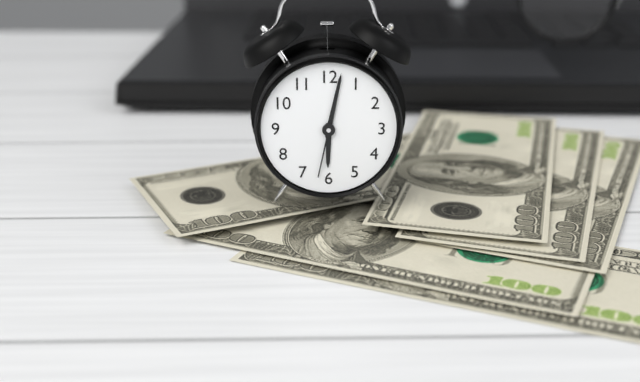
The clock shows **6:02:32**
